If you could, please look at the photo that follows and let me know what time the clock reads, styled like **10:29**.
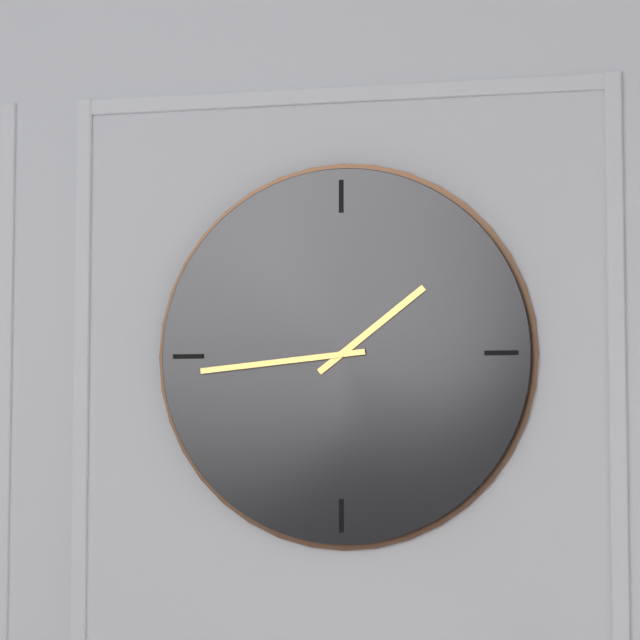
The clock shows **1:44**
